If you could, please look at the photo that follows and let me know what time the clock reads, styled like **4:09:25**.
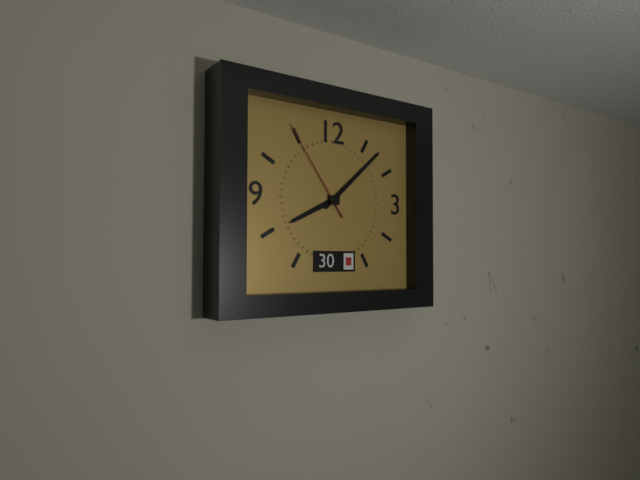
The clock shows **8:08:54**
